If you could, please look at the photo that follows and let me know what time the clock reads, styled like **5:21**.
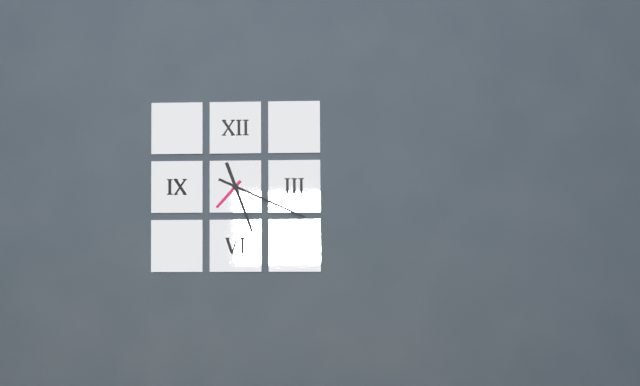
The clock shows **5:19**
